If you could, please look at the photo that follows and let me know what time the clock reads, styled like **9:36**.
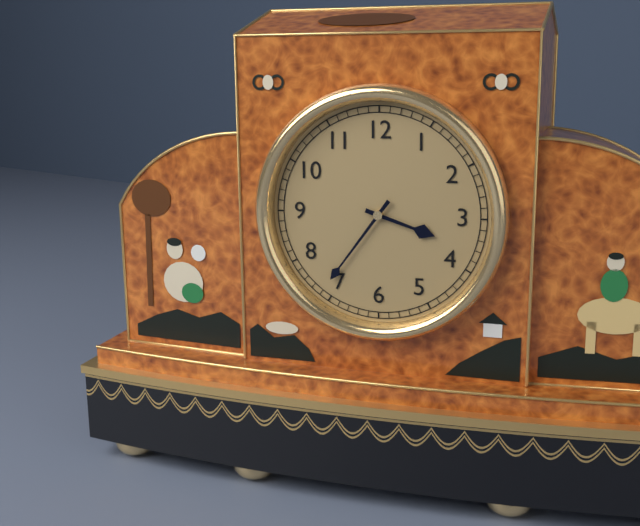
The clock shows **3:36**
